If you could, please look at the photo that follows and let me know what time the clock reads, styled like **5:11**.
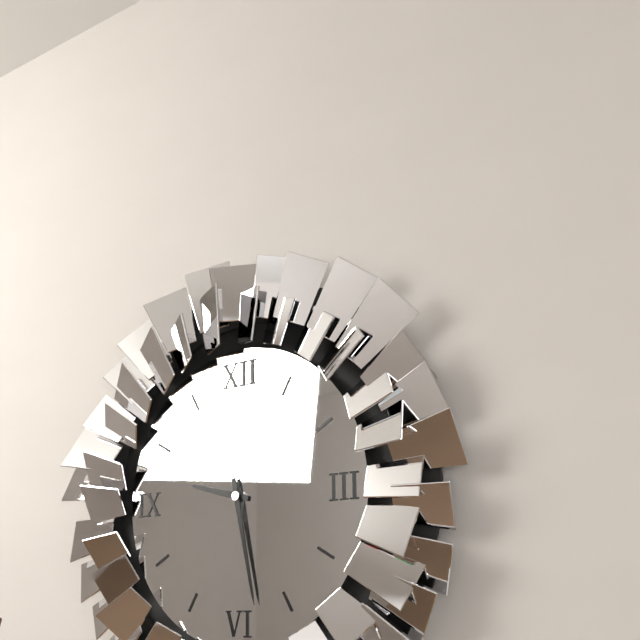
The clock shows **9:28**
